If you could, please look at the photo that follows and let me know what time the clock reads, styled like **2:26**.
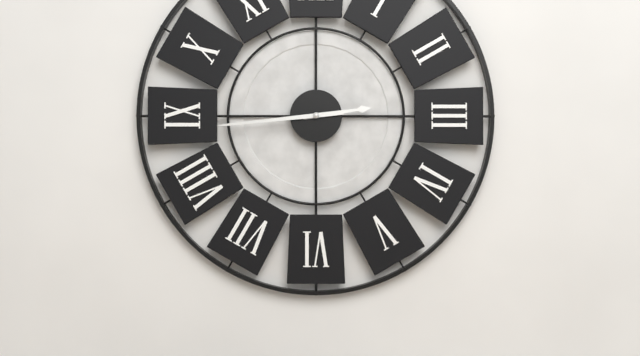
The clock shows **2:44**
